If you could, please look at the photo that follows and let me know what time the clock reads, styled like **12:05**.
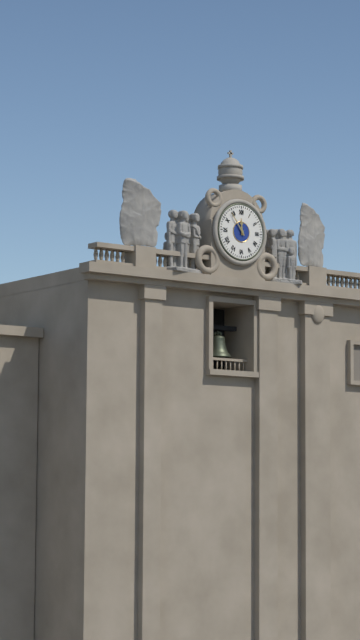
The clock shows **11:54**
